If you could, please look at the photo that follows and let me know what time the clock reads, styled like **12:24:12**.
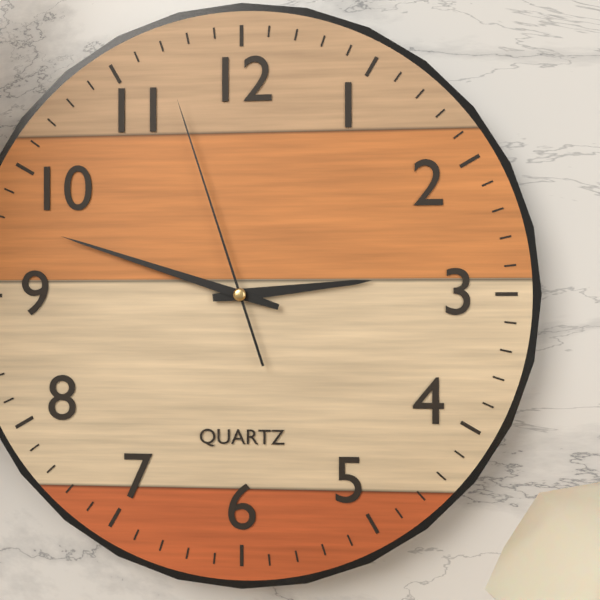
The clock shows **2:48:57**
